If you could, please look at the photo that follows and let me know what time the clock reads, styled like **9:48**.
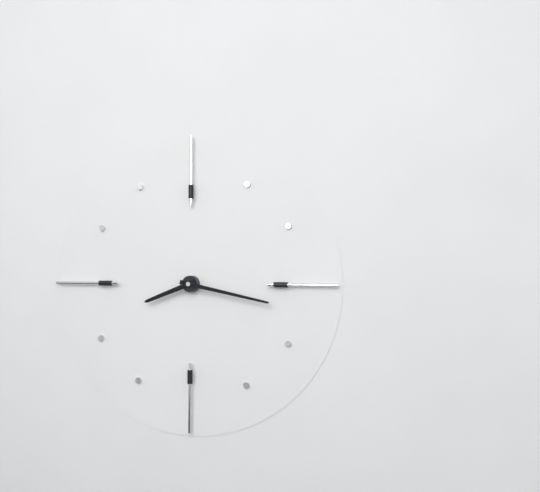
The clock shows **8:17**
